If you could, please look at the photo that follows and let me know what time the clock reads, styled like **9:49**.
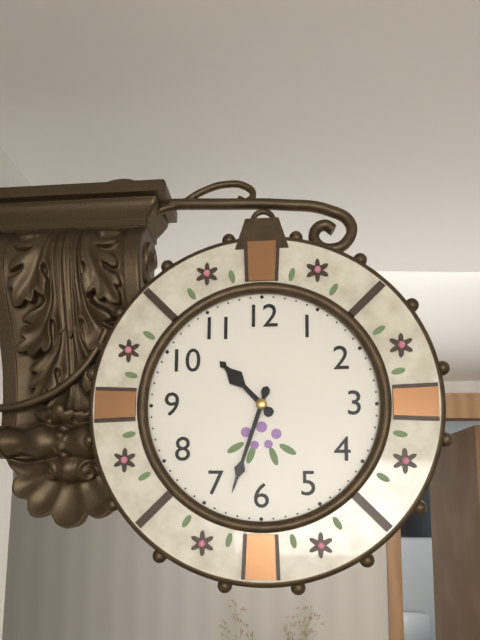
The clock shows **10:33**
